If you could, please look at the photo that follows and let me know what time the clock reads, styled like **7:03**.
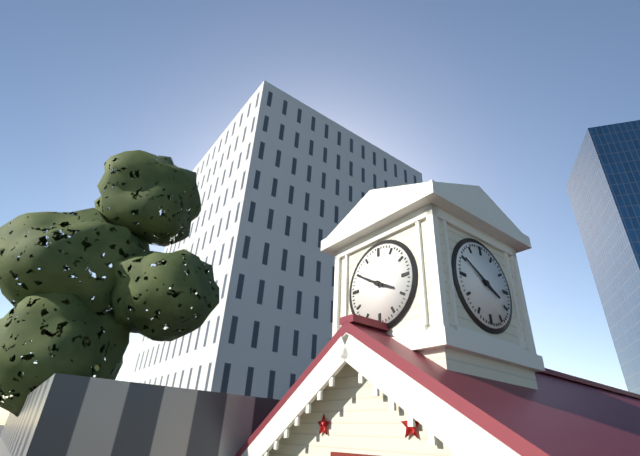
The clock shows **3:50**
